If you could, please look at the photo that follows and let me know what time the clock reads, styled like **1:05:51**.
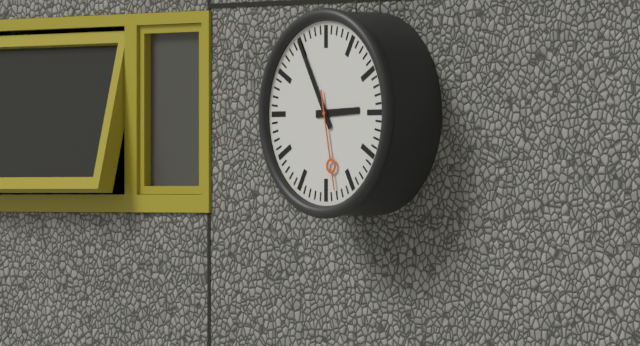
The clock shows **2:55:28**
